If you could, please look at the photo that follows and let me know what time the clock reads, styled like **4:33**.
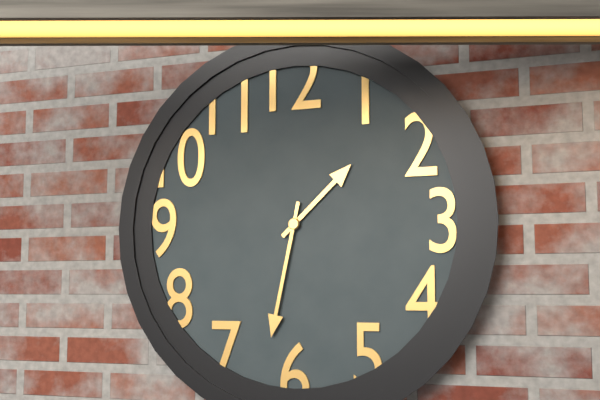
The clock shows **1:32**
